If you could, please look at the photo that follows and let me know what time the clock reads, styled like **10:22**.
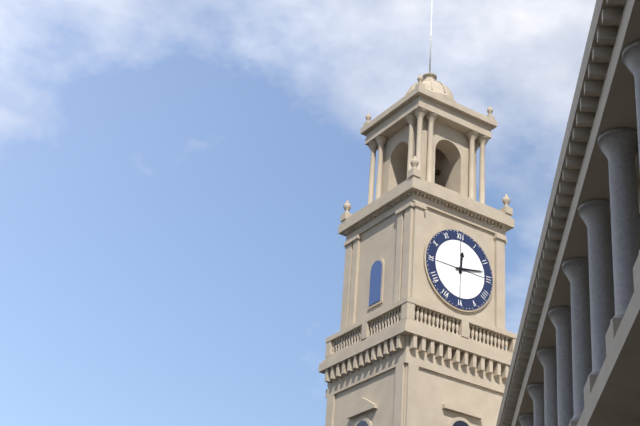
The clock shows **12:13**
